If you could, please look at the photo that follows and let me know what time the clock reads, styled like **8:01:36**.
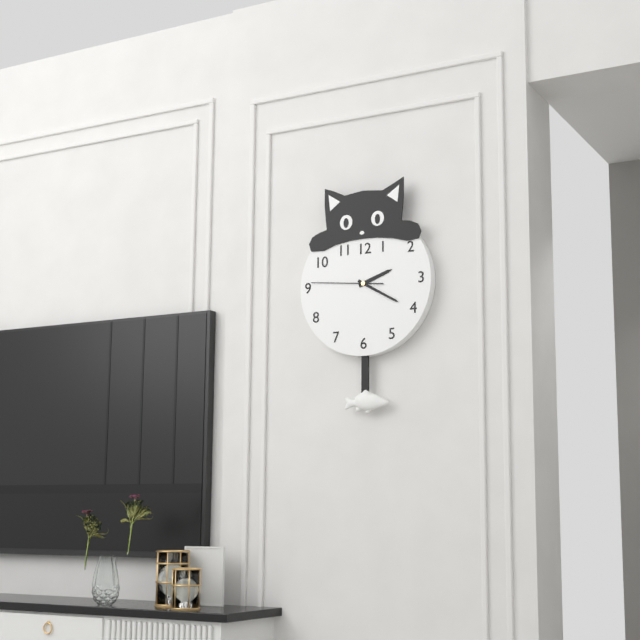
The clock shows **2:20:46**
